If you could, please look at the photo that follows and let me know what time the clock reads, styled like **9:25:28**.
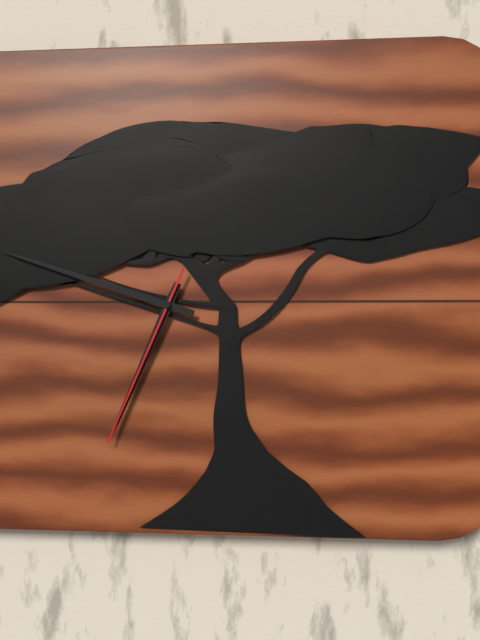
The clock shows **6:48:34**
